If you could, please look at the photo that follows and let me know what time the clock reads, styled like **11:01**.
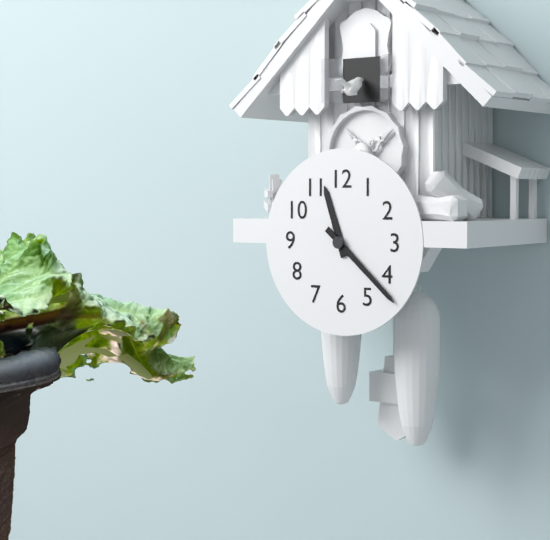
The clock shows **11:22**
